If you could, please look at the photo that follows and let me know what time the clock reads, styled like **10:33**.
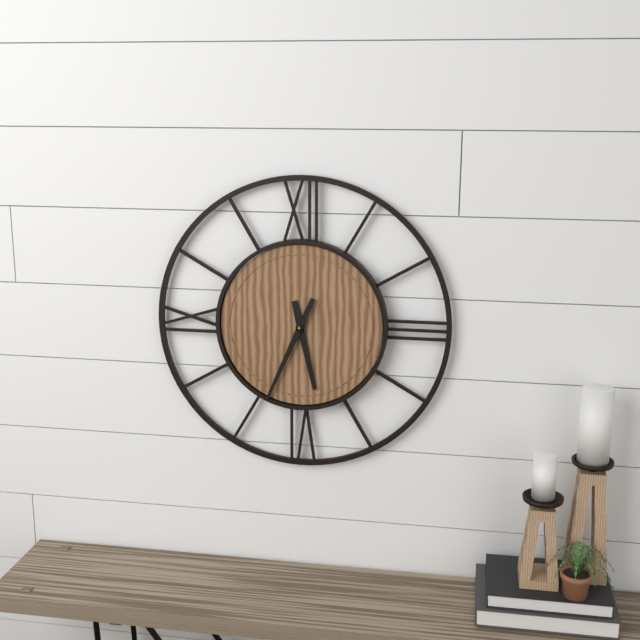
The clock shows **5:34**
